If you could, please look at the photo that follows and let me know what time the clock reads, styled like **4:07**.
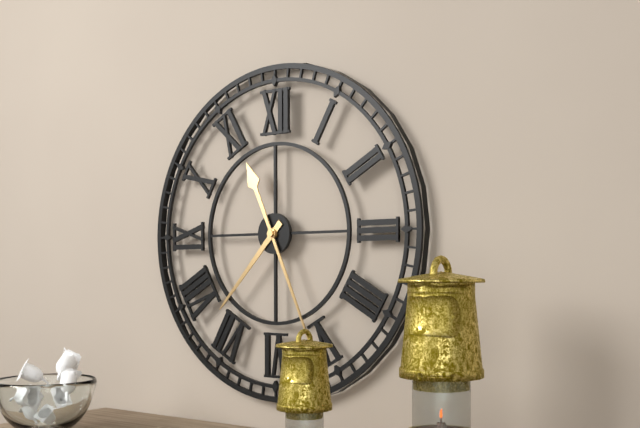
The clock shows **7:26**
